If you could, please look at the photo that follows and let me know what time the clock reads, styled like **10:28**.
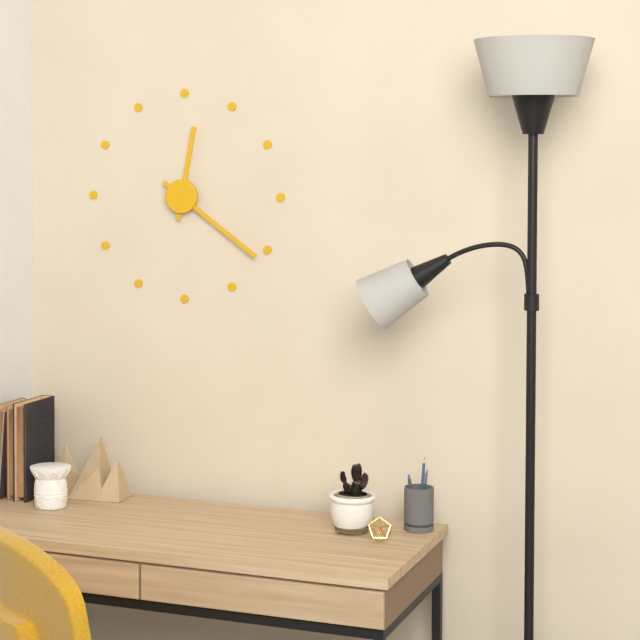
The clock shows **12:21**
